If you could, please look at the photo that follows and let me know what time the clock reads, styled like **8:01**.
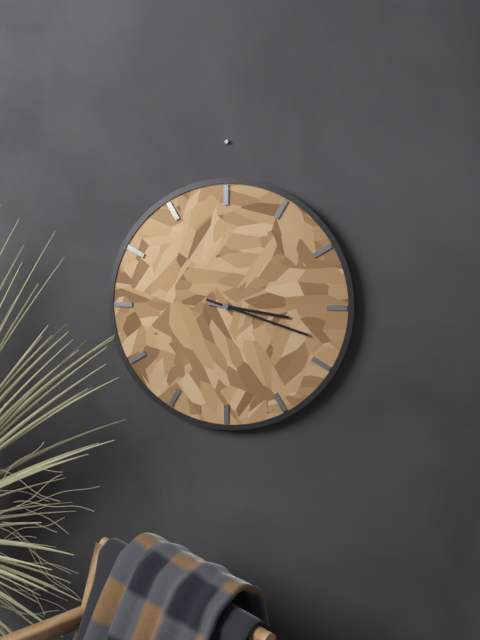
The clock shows **3:18**
